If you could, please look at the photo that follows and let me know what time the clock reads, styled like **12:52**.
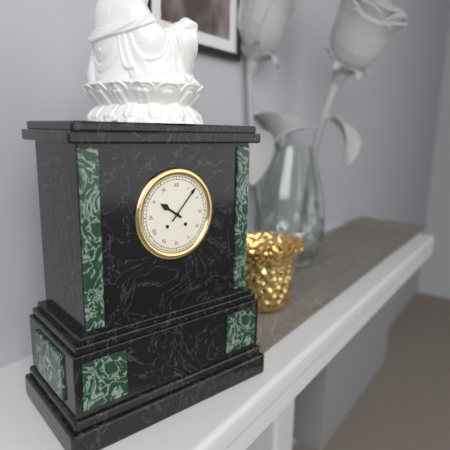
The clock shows **10:07**
